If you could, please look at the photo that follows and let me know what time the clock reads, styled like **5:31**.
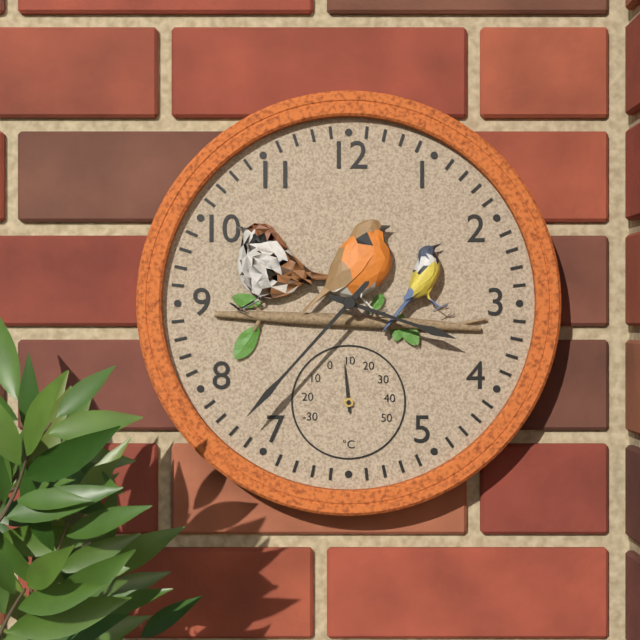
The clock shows **3:37**
